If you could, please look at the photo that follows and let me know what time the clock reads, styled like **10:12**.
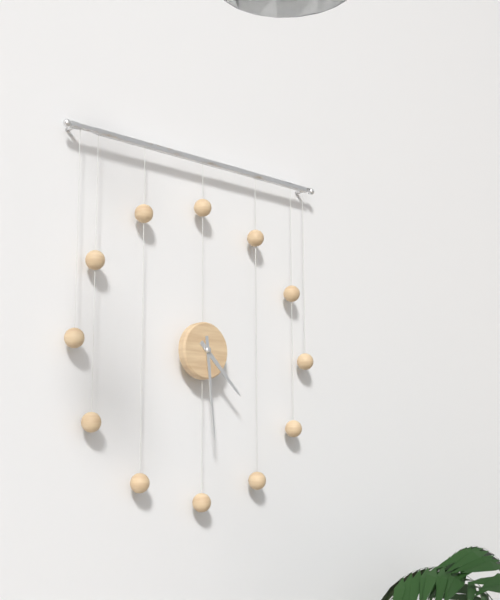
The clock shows **4:29**
